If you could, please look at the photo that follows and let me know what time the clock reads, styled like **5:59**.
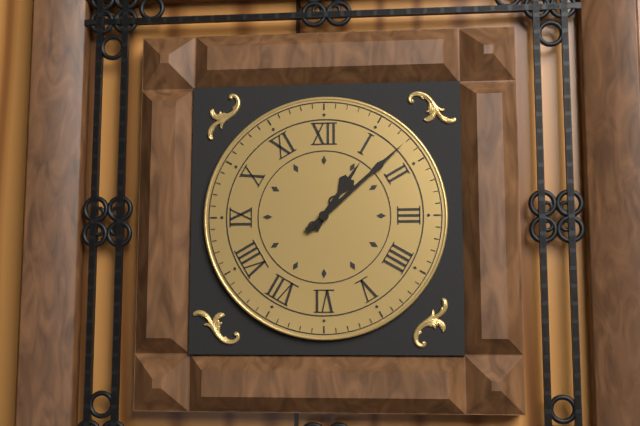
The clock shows **1:08**
